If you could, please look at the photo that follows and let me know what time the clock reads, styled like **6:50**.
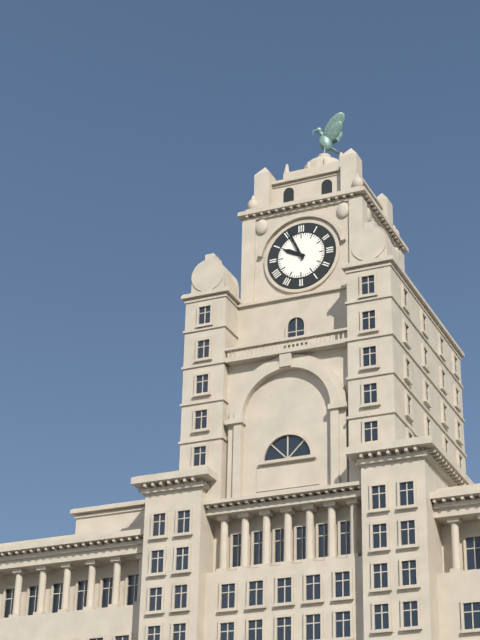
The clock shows **9:56**
